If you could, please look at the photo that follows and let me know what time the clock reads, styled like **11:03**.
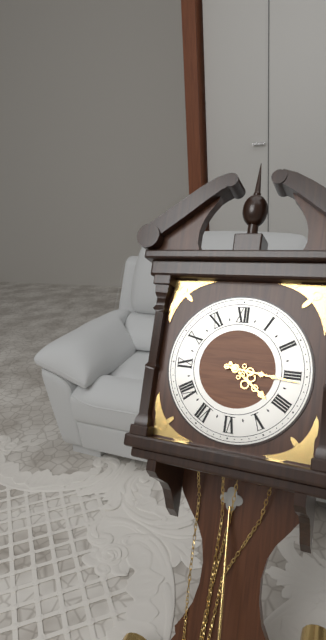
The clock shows **4:16**
